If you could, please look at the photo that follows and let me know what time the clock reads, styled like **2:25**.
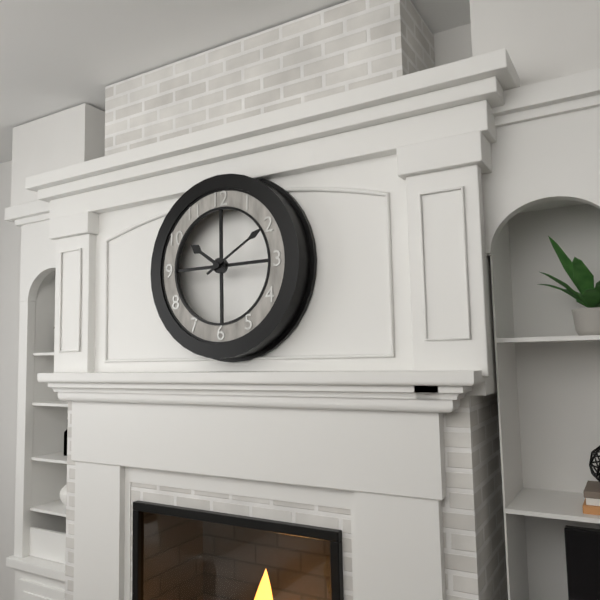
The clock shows **10:10**
